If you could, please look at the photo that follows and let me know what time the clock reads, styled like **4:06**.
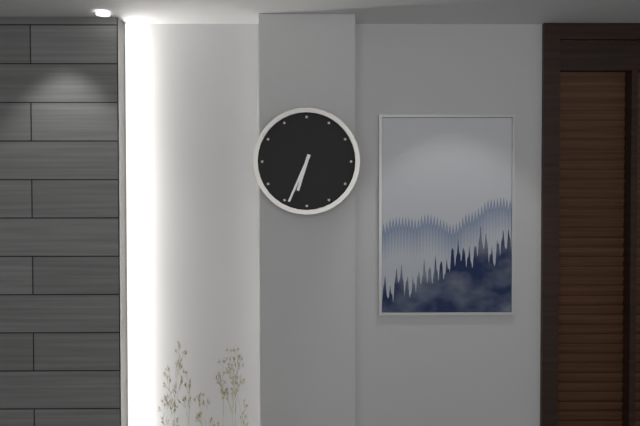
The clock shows **6:34**
